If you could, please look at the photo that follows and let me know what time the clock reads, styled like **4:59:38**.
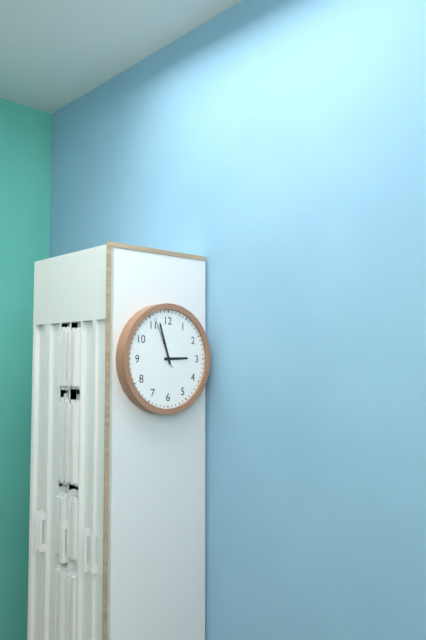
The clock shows **2:57:56**
